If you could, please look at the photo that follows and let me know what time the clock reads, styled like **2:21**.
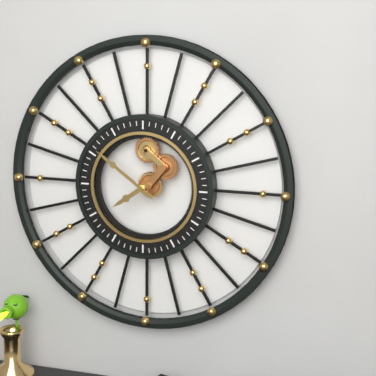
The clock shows **7:51**
